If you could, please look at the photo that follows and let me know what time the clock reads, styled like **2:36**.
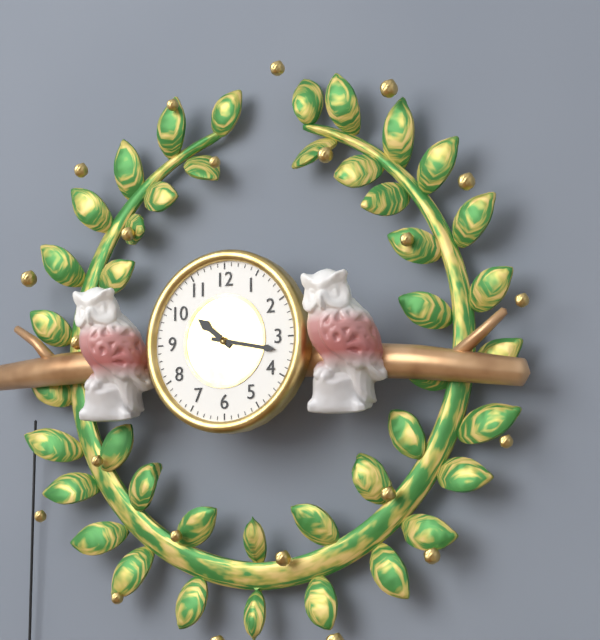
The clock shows **10:17**
